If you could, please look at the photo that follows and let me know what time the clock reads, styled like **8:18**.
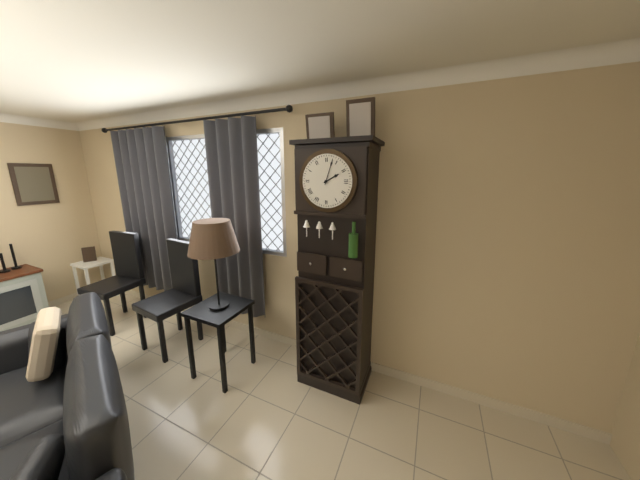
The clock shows **2:03**
